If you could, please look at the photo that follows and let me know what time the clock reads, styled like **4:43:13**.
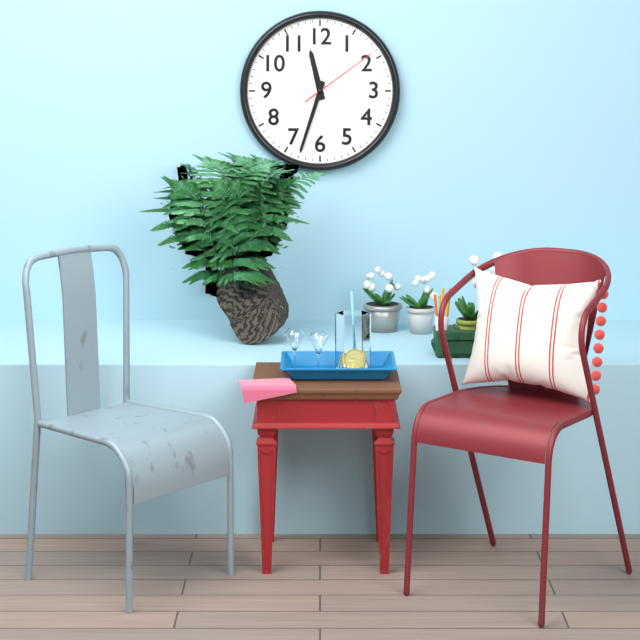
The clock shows **11:33:09**
